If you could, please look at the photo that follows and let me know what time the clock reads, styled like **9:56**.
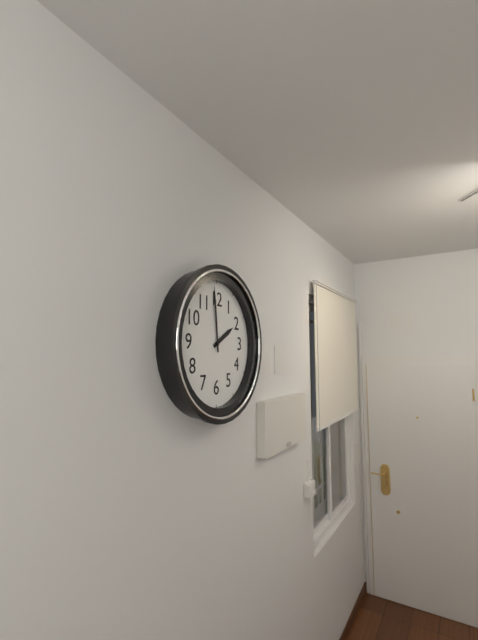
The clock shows **1:59**
